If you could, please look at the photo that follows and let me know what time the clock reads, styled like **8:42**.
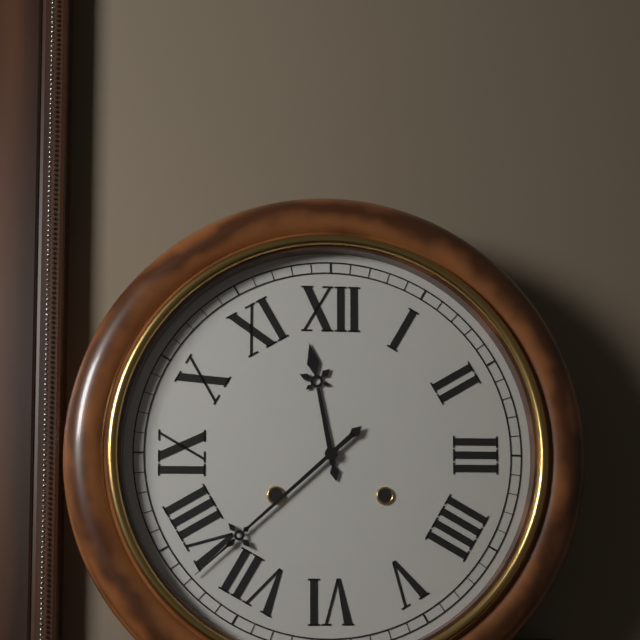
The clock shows **11:38**
